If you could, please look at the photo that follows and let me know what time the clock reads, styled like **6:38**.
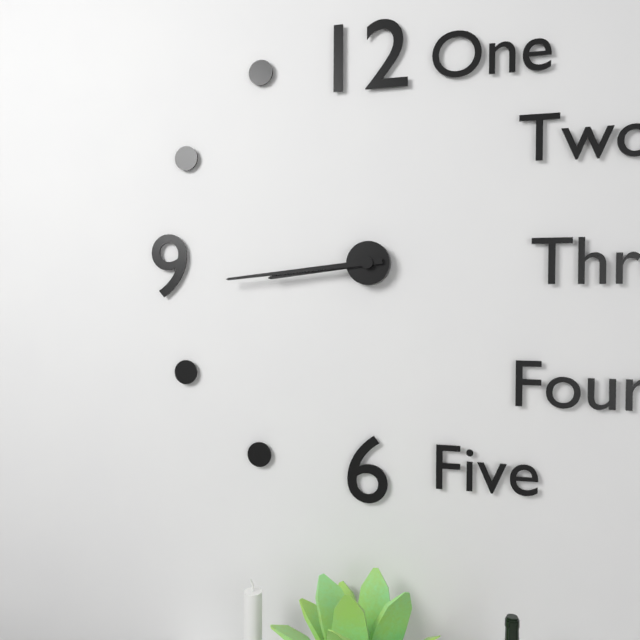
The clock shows **8:44**
